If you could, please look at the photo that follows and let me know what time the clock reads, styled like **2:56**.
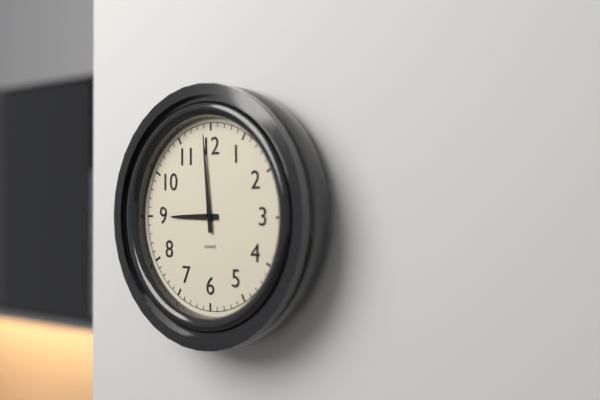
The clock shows **8:59**
